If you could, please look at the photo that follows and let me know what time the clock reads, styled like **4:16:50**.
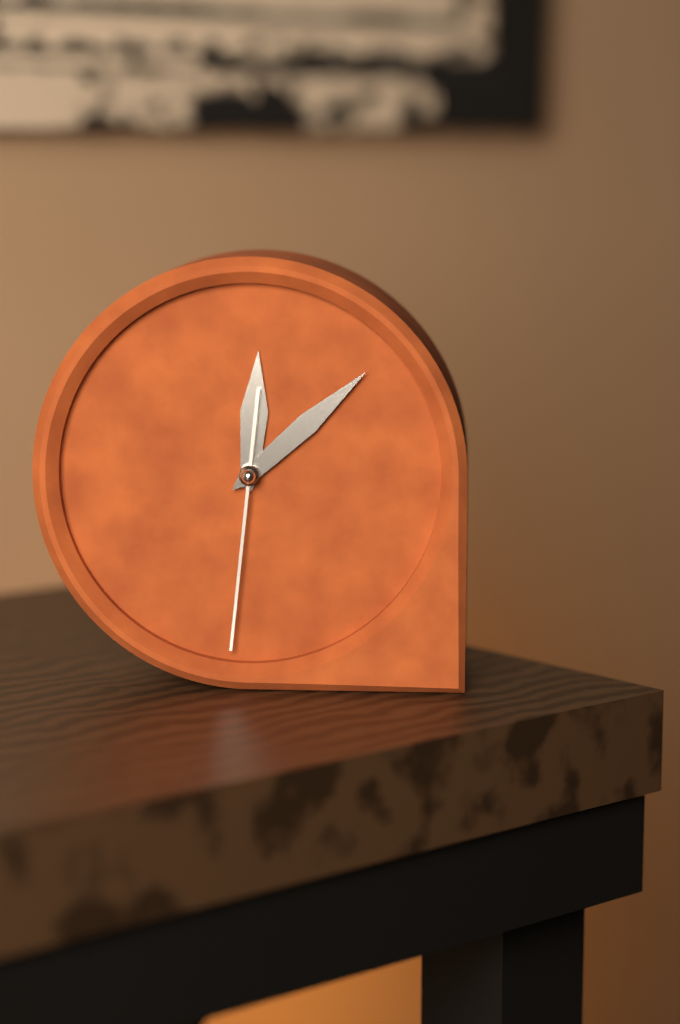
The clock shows **12:08:31**
